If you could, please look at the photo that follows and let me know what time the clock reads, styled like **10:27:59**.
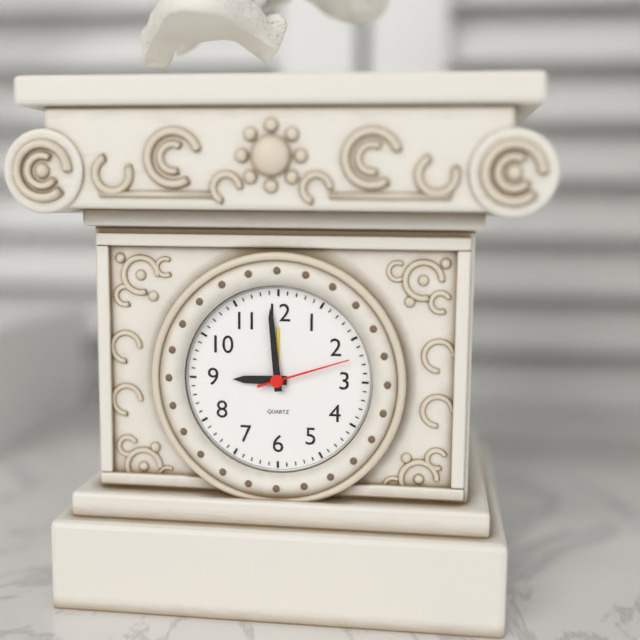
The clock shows **8:59:12**
